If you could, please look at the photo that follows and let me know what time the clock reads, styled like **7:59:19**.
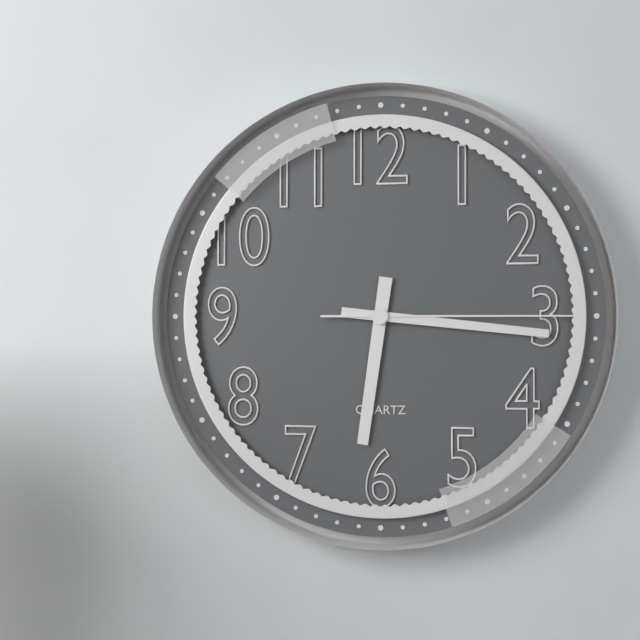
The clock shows **6:16:15**
